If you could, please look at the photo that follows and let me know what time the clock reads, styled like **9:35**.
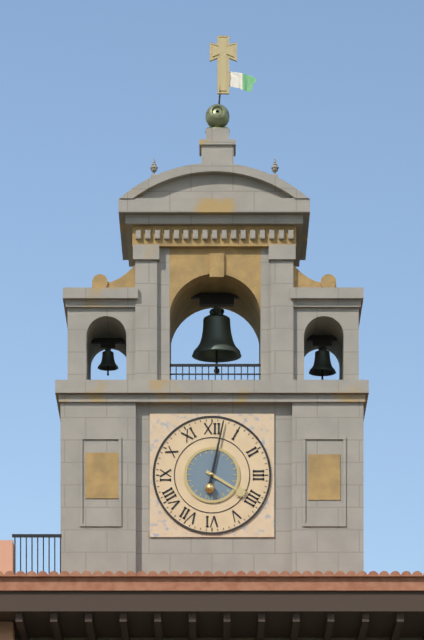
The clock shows **4:02**
